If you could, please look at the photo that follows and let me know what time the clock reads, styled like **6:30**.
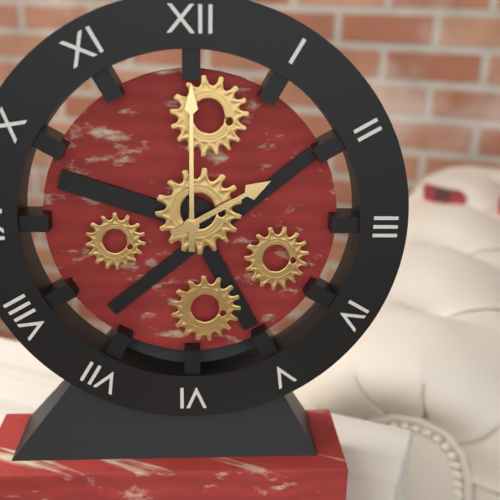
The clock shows **2:00**
